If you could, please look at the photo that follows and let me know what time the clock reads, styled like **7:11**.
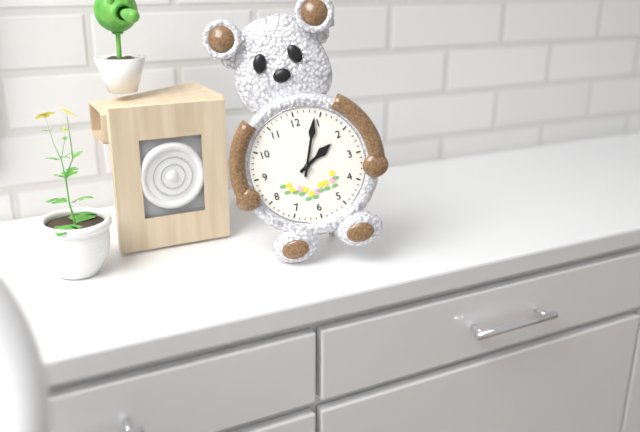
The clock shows **2:04**
